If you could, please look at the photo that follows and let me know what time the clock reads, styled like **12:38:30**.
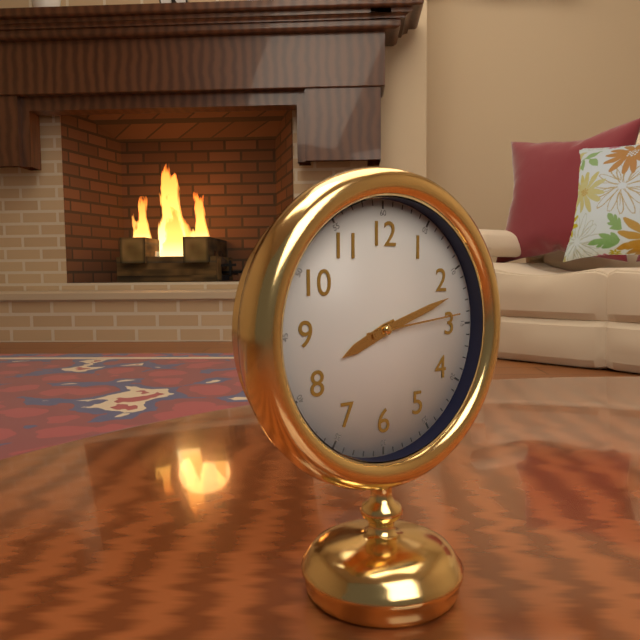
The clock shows **8:12:14**
